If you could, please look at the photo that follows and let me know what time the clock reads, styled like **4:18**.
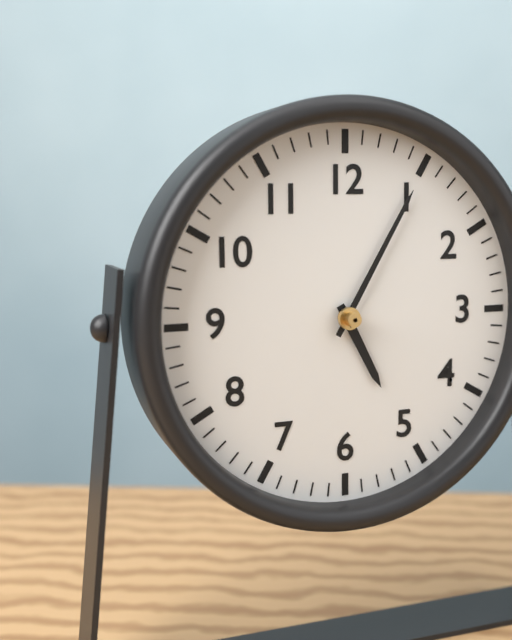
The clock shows **5:05**
